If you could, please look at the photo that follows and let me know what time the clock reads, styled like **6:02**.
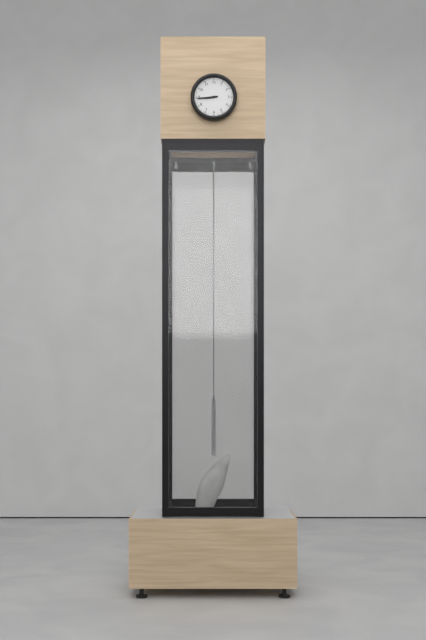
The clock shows **8:44**
